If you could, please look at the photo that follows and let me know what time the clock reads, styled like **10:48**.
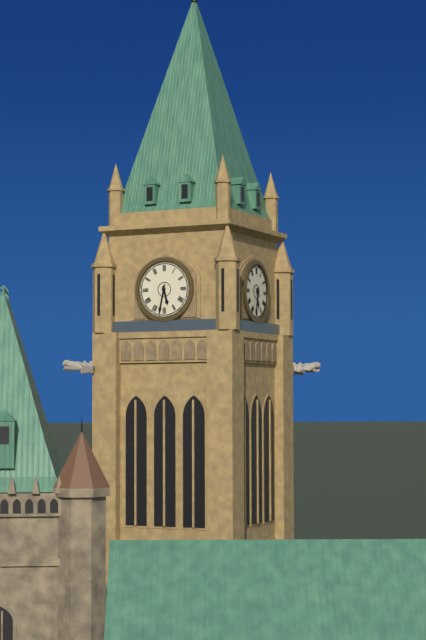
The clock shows **5:32**
